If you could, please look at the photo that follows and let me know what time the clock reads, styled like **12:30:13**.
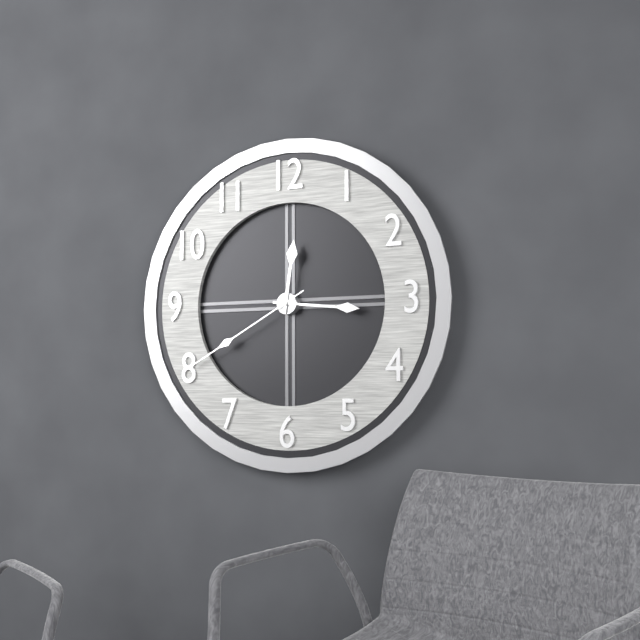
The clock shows **12:16:40**
